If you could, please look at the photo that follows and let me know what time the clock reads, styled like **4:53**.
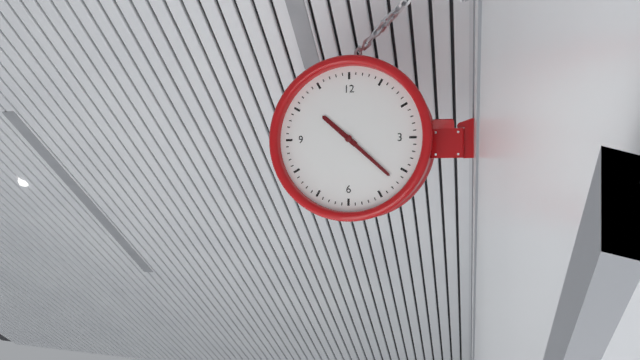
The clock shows **10:22**
